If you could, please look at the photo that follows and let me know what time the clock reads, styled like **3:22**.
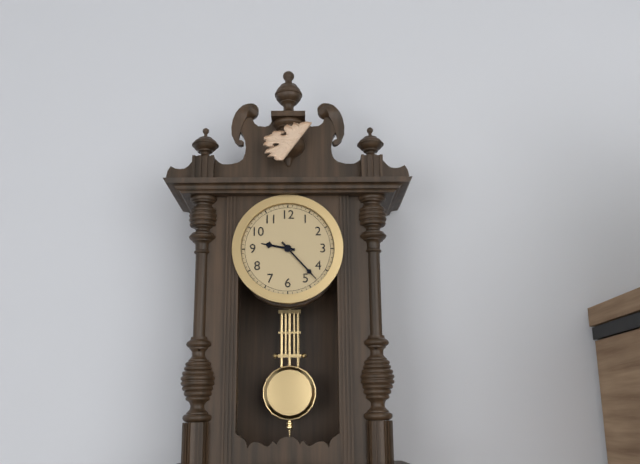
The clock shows **9:23**
